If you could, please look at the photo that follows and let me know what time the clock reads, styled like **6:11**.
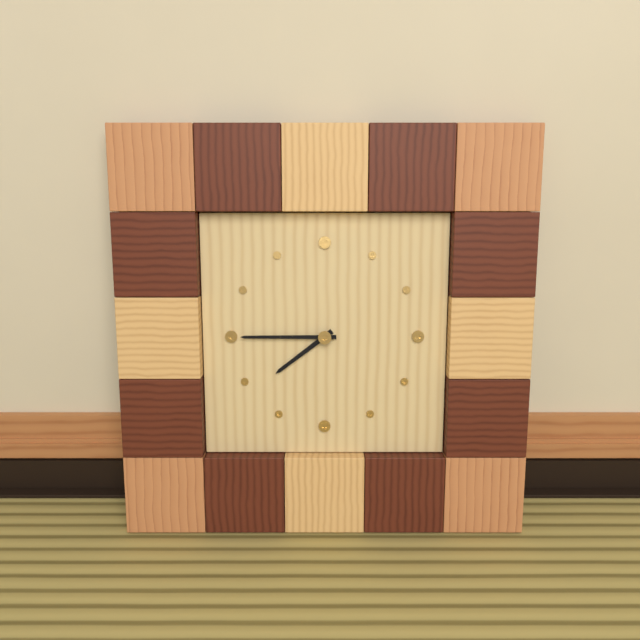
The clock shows **7:45**
